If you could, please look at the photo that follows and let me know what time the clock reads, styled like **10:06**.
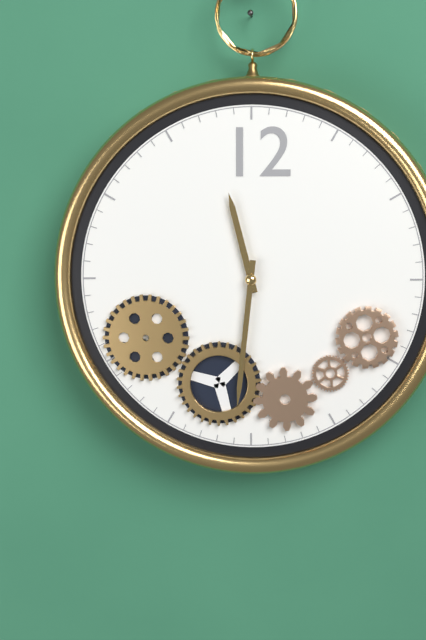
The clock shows **11:31**
